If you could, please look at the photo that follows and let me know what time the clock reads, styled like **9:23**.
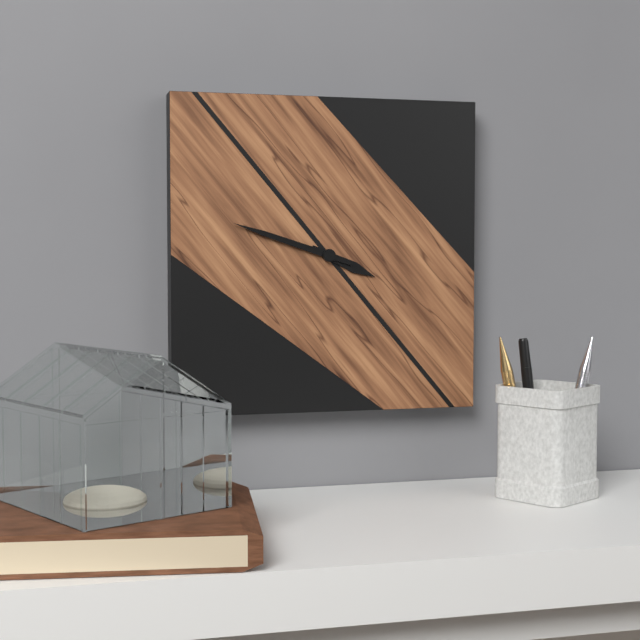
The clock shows **3:48**
